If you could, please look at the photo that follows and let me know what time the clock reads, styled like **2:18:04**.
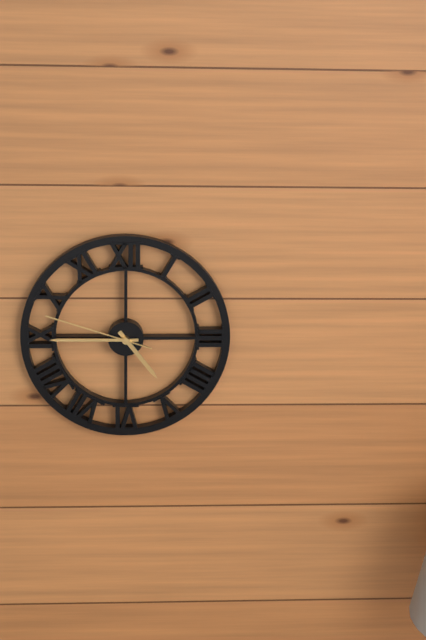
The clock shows **4:45:48**
